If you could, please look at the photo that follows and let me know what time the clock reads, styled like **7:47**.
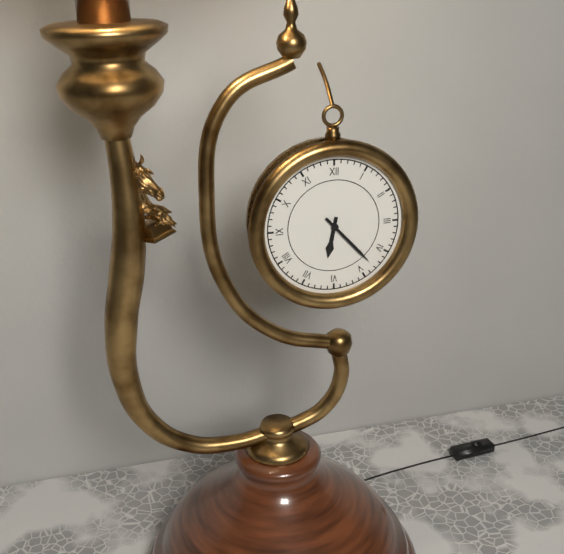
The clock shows **6:23**
